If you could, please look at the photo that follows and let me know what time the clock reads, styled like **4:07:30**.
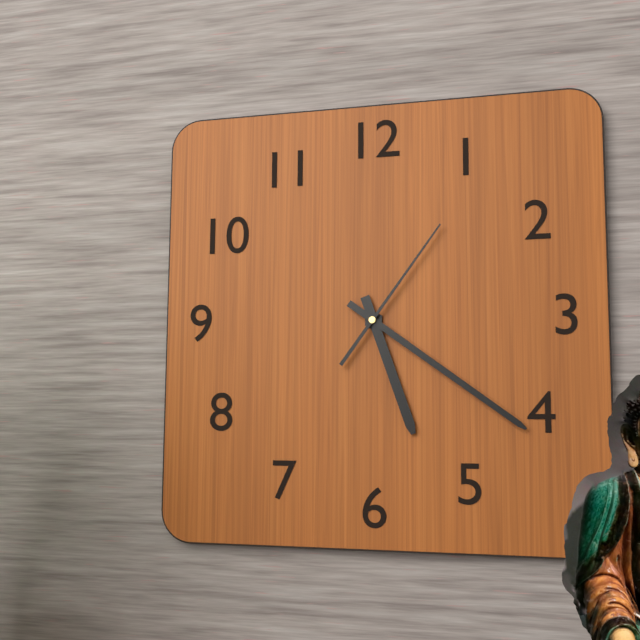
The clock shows **5:21:06**
